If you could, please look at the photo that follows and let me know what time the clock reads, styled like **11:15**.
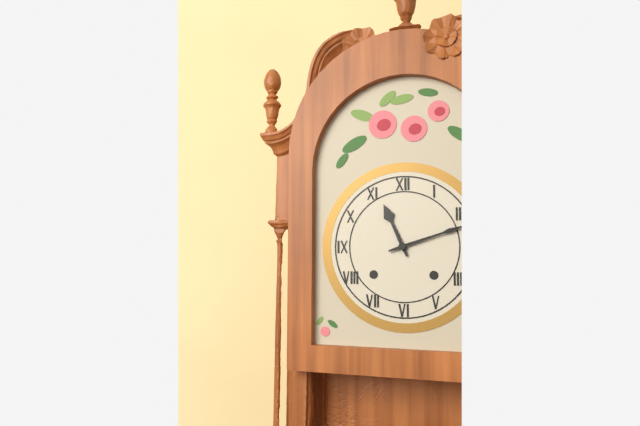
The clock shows **11:12**
